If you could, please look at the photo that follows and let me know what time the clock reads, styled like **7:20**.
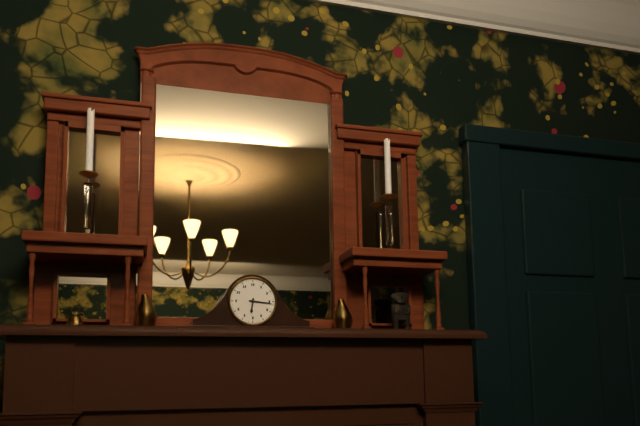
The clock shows **6:16**
